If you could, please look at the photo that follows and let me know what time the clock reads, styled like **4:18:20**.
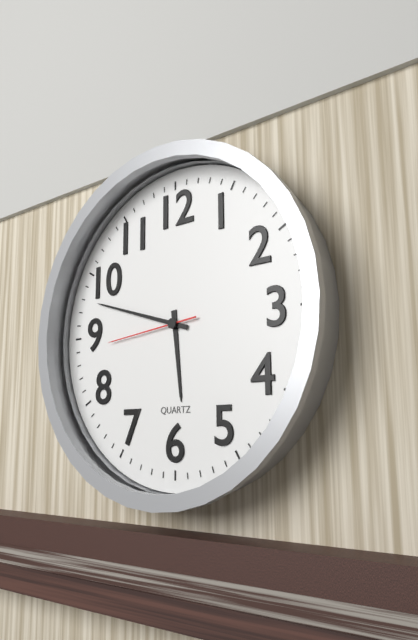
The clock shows **5:48:44**
